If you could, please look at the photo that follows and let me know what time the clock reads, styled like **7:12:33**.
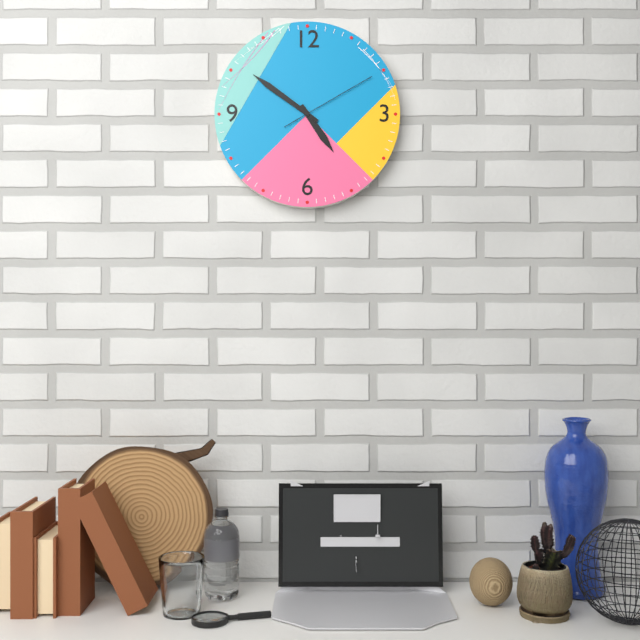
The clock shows **4:51:10**
